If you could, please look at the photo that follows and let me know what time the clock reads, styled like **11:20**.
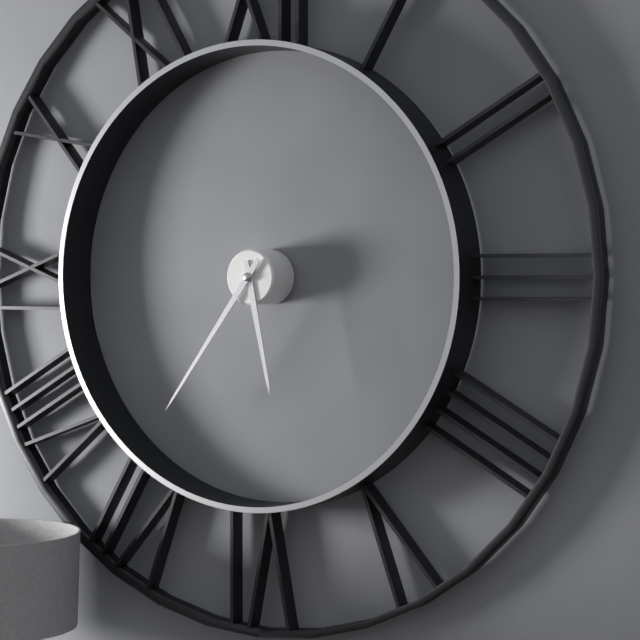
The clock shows **5:36**
